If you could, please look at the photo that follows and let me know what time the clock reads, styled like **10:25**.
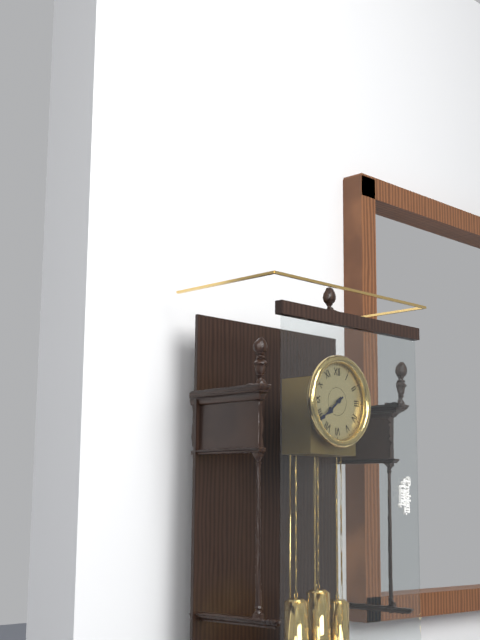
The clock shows **7:39**
